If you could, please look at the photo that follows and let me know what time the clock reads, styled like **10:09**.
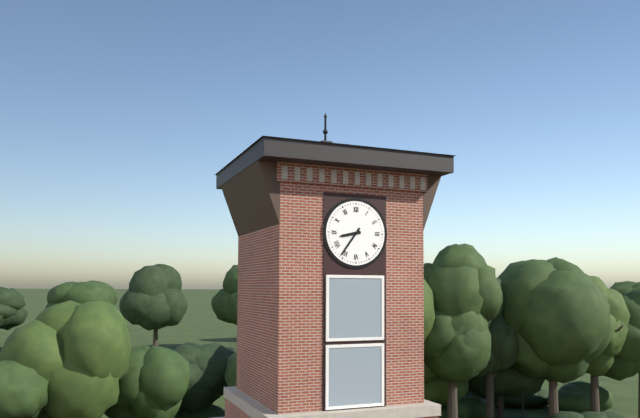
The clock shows **8:36**
